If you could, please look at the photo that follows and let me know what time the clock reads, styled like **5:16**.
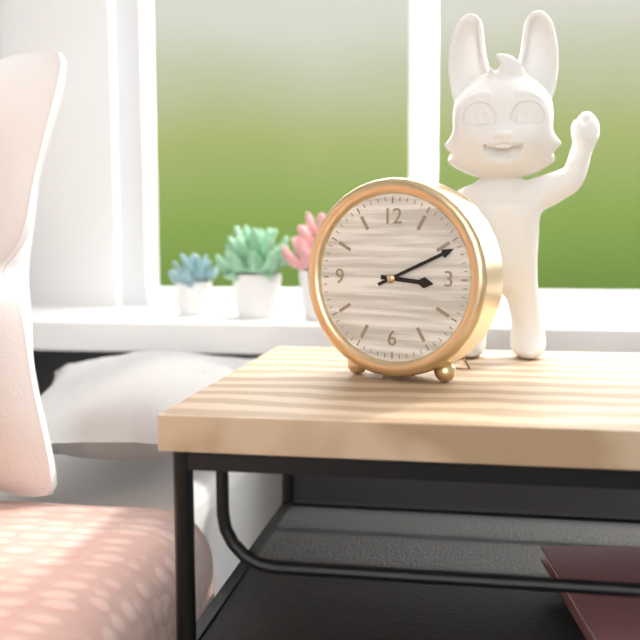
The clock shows **3:11**
